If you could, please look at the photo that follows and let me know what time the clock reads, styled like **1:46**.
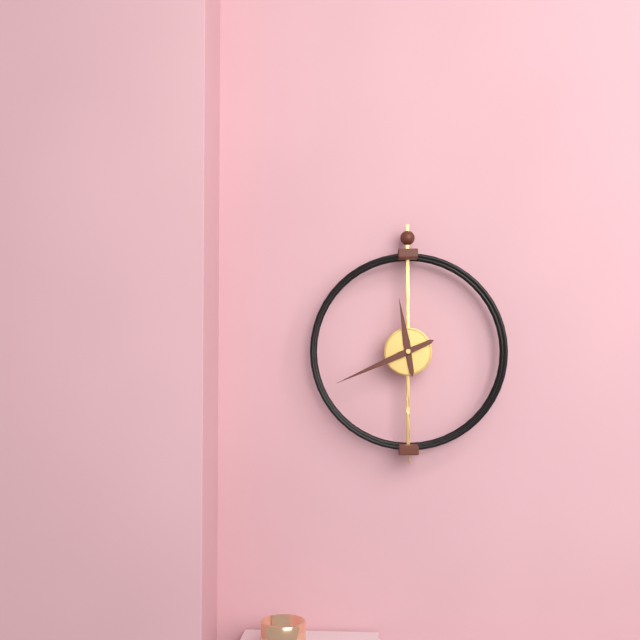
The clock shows **11:41**
